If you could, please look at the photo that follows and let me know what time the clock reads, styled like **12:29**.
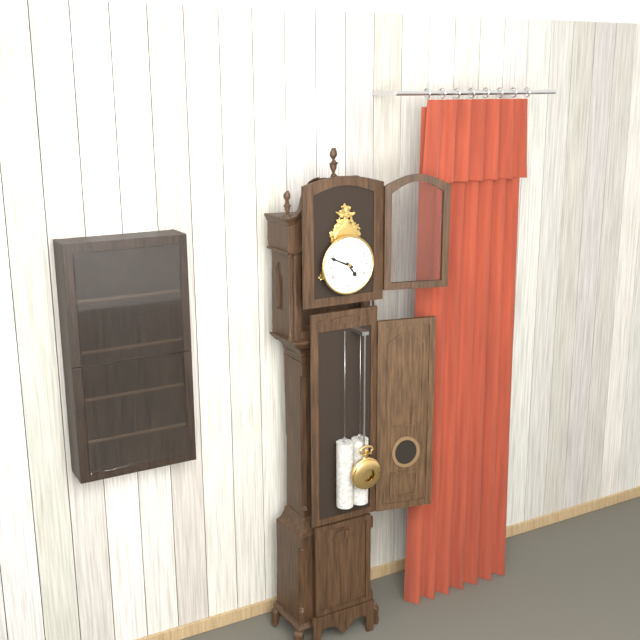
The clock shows **4:49**
